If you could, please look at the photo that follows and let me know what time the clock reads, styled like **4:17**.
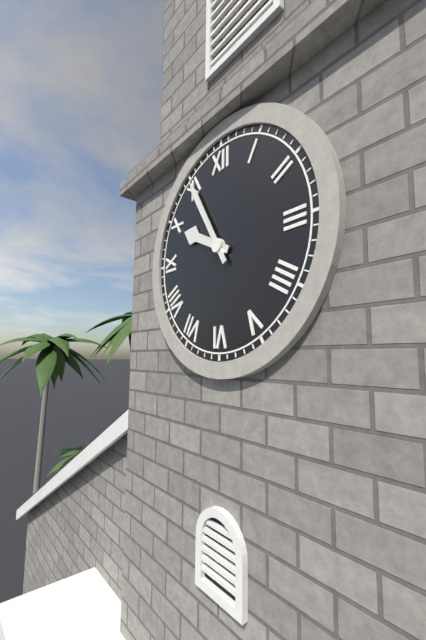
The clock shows **9:55**
